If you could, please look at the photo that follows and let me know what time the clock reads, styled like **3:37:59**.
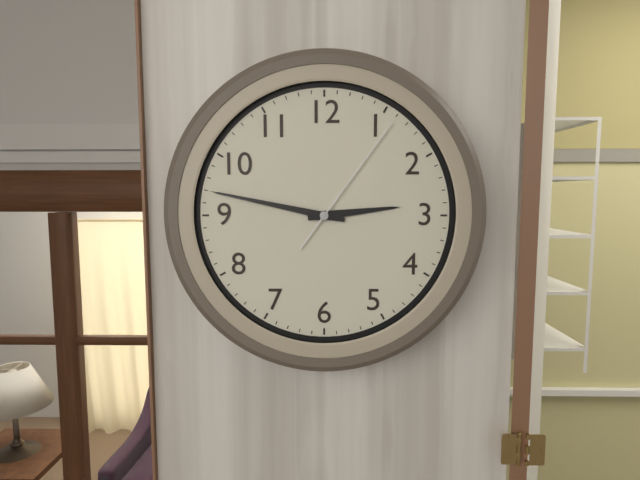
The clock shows **2:47:06**
